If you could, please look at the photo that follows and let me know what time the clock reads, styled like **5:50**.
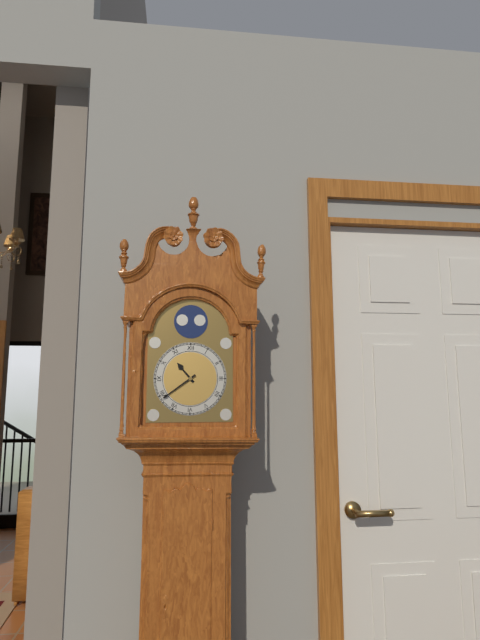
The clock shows **10:39**
